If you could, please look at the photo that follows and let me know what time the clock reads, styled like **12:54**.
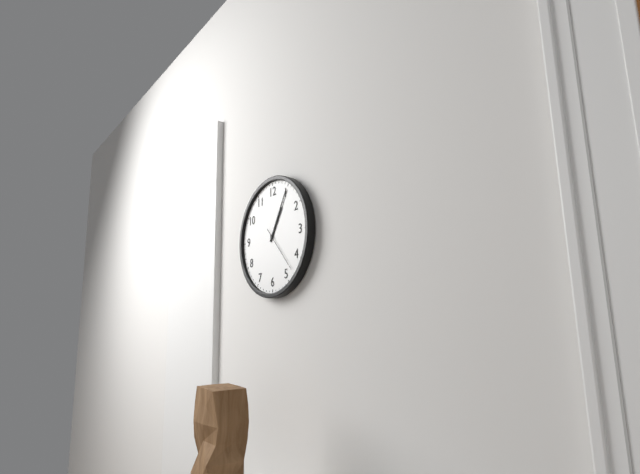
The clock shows **1:05**
